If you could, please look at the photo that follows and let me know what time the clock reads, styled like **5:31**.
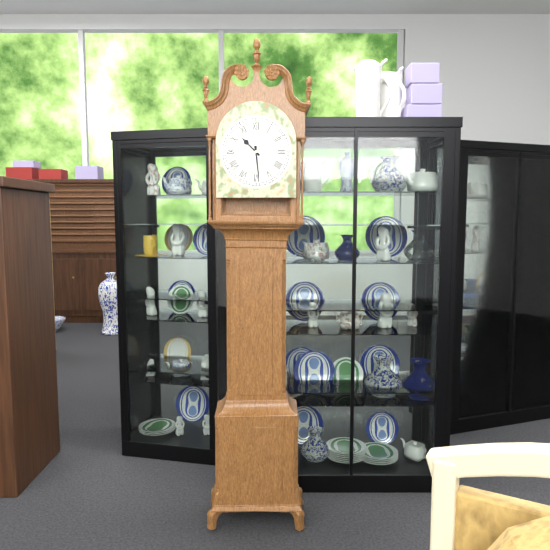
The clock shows **10:29**
